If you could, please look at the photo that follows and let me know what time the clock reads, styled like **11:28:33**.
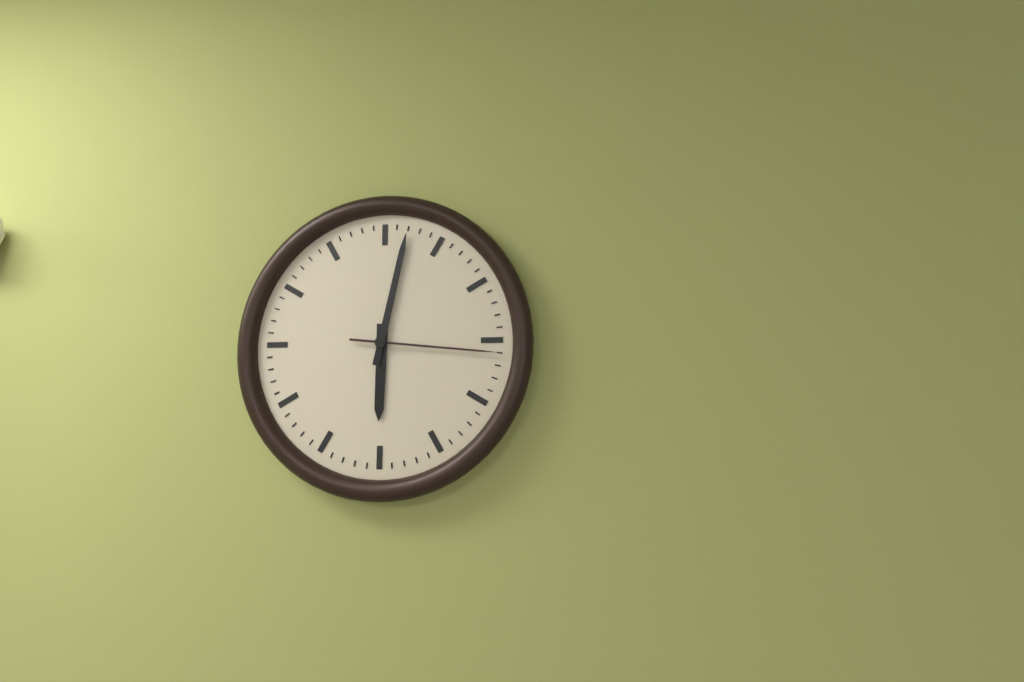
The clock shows **6:02:16**
